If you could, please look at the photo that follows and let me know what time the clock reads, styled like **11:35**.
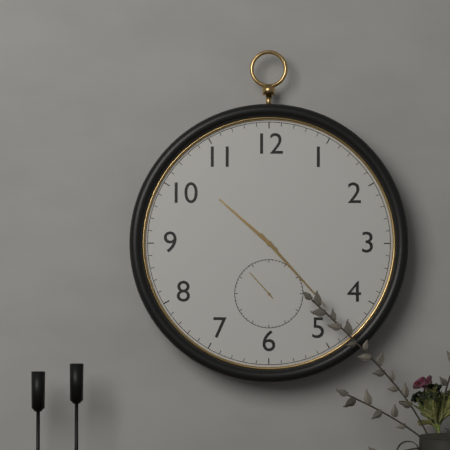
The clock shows **10:23**
